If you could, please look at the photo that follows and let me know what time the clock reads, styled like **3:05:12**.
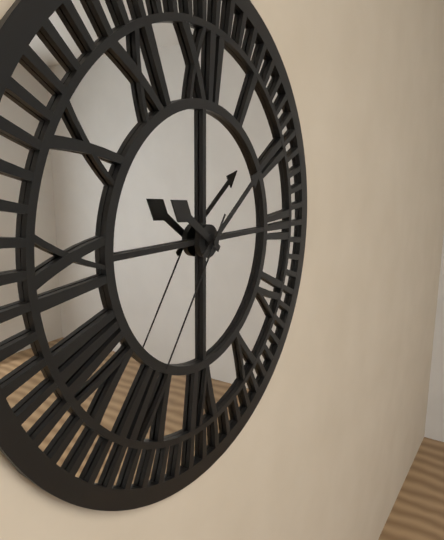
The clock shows **10:09:36**
